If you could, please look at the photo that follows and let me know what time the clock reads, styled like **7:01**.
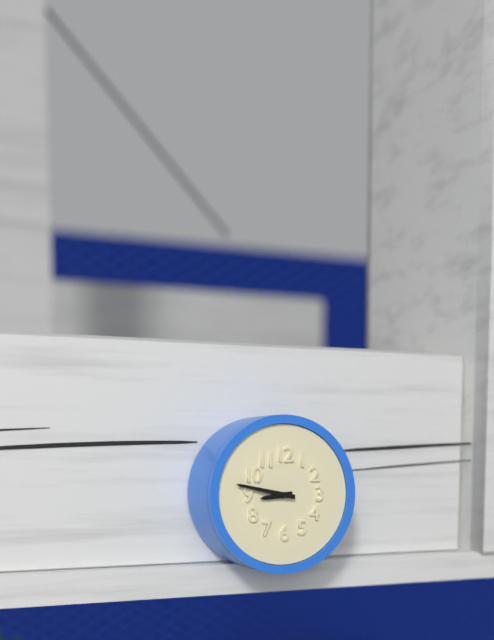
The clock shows **8:47**
